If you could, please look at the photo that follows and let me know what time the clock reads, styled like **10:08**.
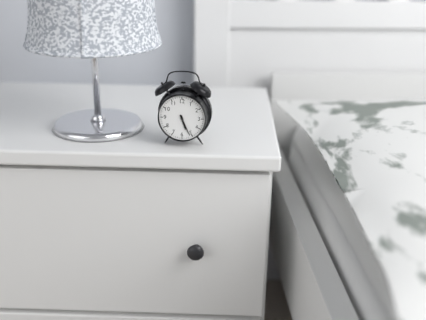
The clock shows **5:26**
